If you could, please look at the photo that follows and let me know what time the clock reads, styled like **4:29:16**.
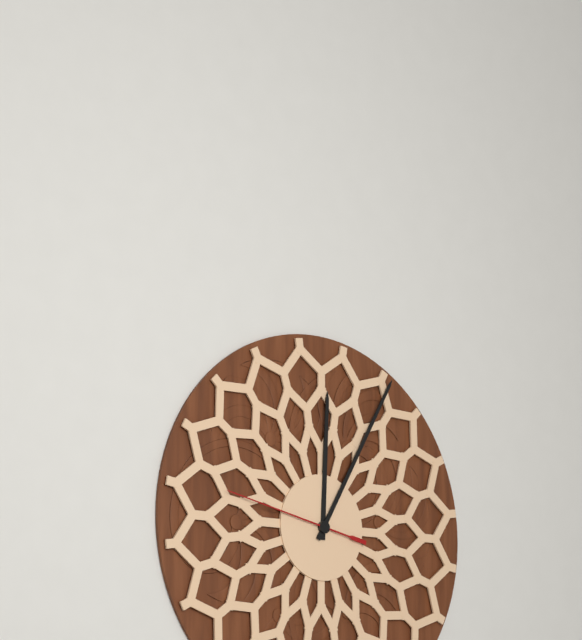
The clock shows **12:05:47**
